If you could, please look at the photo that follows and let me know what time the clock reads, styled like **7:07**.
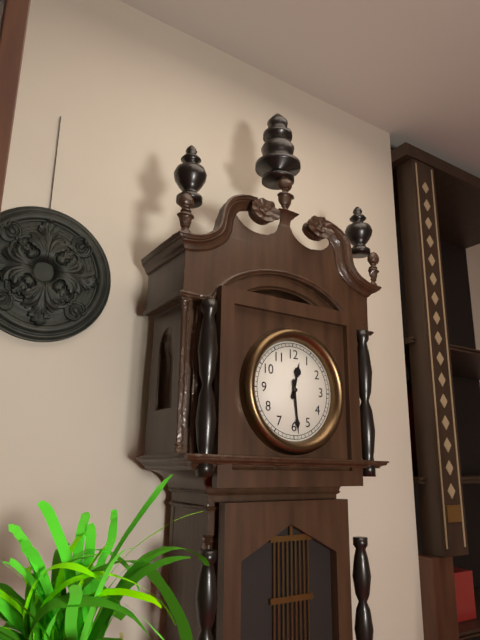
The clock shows **12:29**
